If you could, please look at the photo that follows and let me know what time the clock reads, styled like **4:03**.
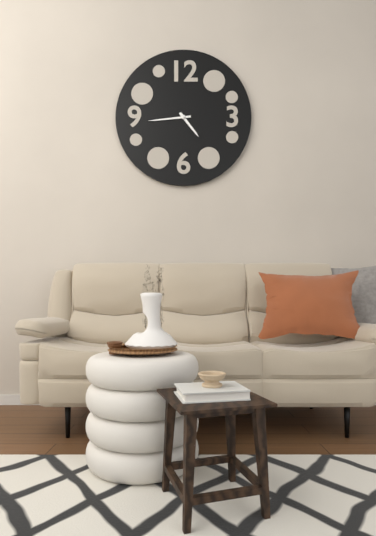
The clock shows **4:44**
